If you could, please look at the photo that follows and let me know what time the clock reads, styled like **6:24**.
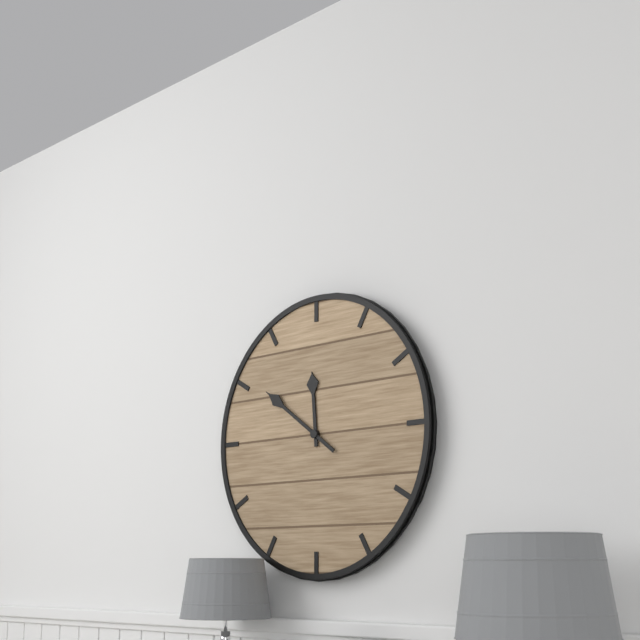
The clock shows **11:51**
